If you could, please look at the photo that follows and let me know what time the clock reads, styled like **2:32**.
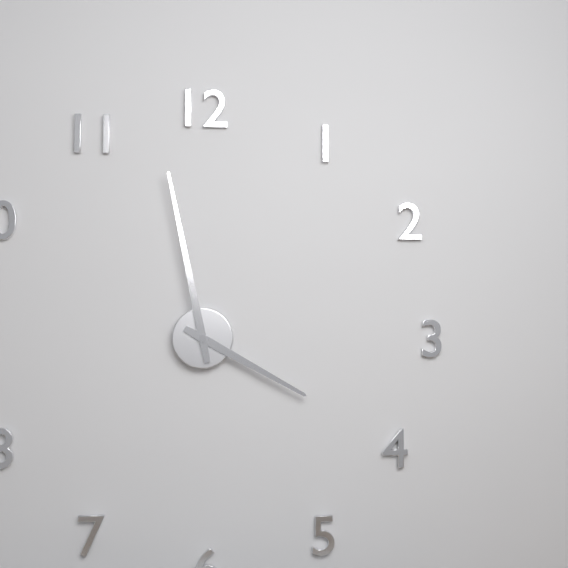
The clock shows **3:58**
